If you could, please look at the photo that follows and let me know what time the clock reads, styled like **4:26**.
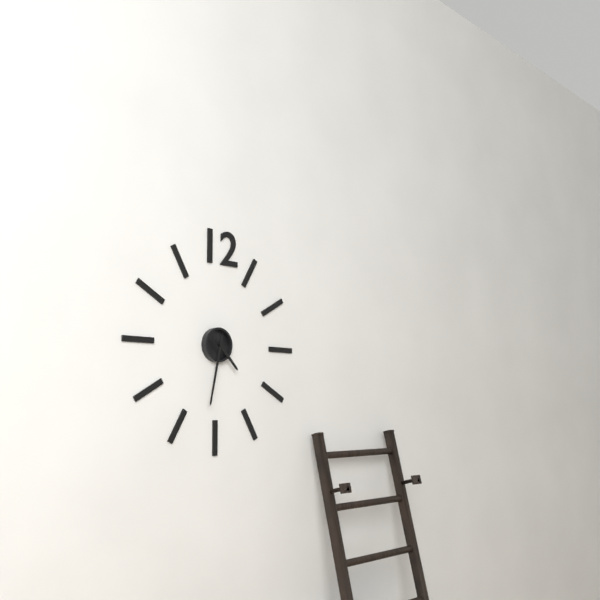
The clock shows **4:32**
